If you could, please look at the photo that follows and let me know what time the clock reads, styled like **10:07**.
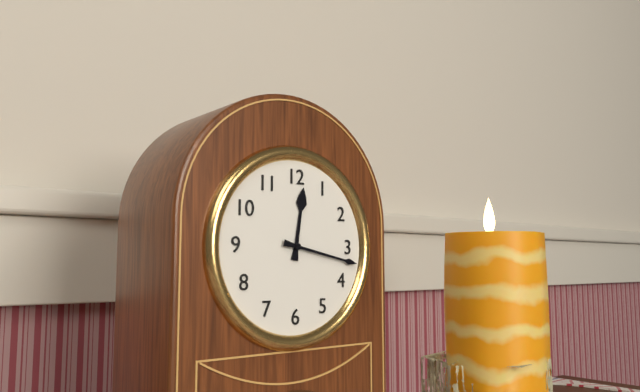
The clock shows **12:17**
